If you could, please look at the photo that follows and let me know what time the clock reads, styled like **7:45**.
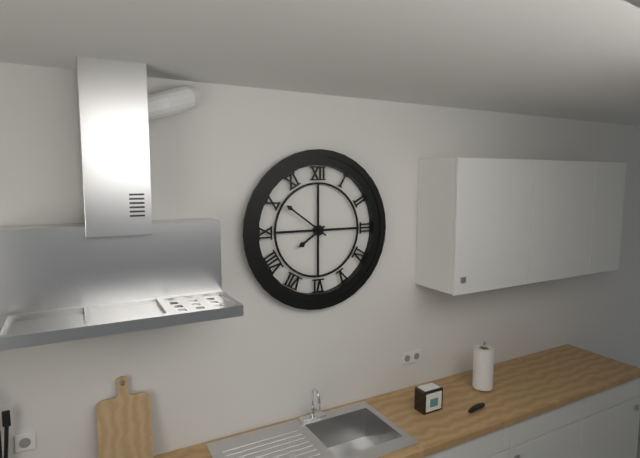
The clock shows **7:51**
